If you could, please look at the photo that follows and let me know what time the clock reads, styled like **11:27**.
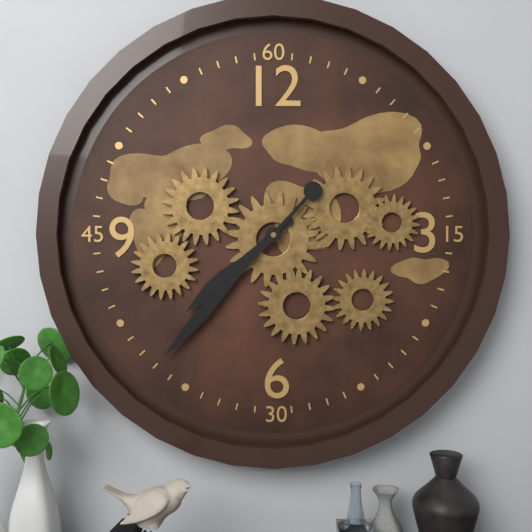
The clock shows **7:37**
